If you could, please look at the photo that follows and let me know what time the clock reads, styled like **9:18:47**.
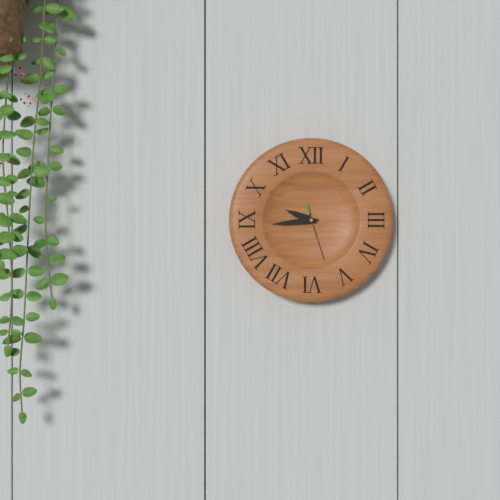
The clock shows **9:44:27**
